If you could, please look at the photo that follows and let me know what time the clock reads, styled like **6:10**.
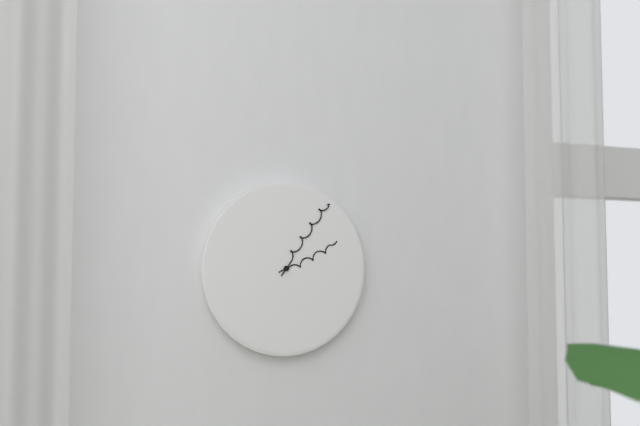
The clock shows **2:06**
